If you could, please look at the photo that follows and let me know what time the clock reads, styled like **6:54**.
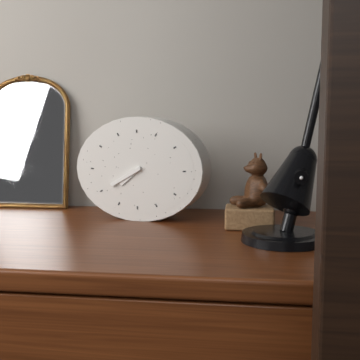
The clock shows **7:40**
